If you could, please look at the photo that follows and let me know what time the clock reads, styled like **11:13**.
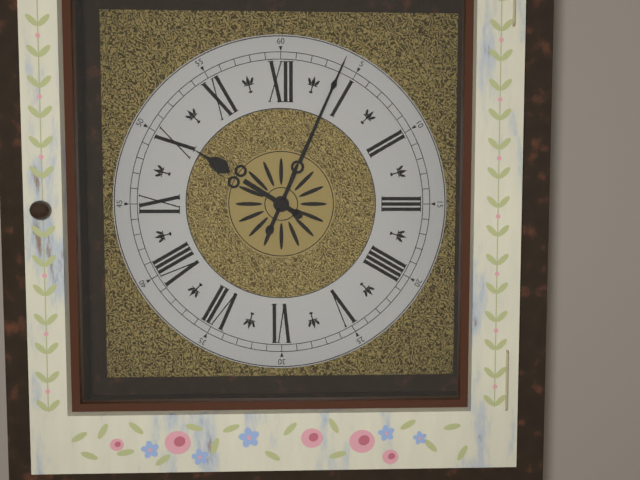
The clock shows **10:04**
